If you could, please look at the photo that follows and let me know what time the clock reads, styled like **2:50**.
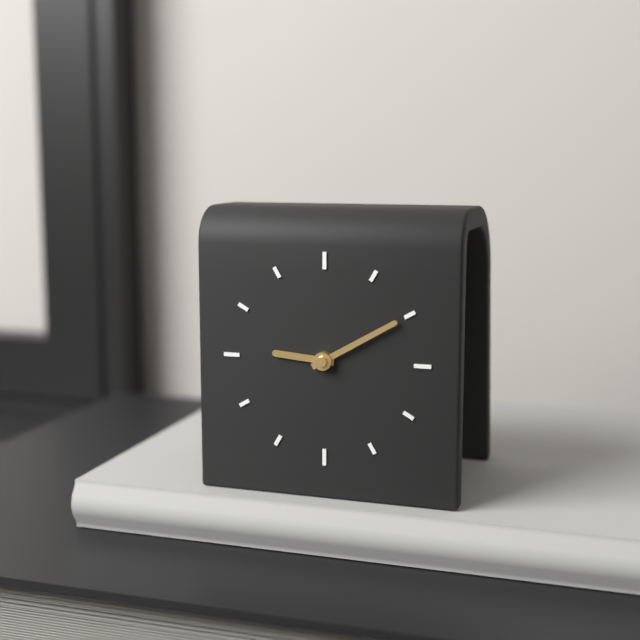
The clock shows **9:10**
